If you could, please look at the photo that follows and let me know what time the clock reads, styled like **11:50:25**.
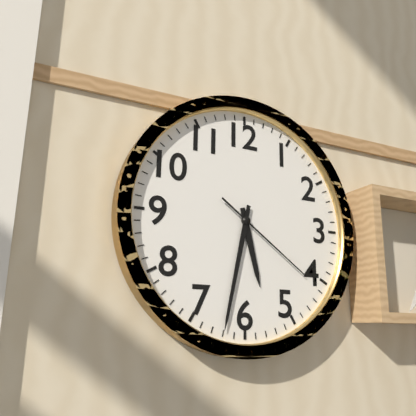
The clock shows **5:32:21**
